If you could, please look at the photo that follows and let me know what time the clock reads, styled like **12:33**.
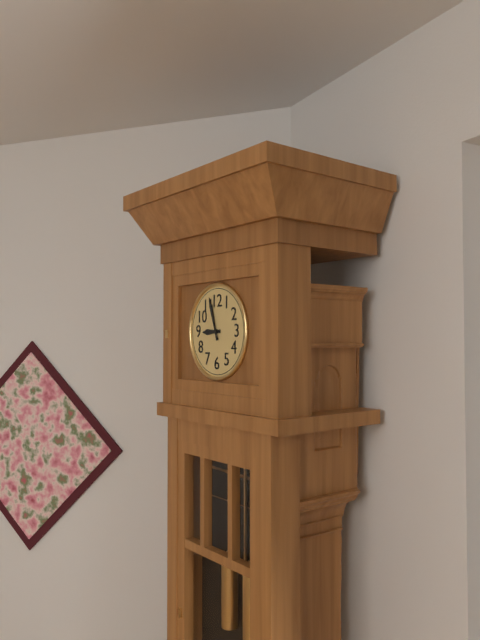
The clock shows **8:57**
